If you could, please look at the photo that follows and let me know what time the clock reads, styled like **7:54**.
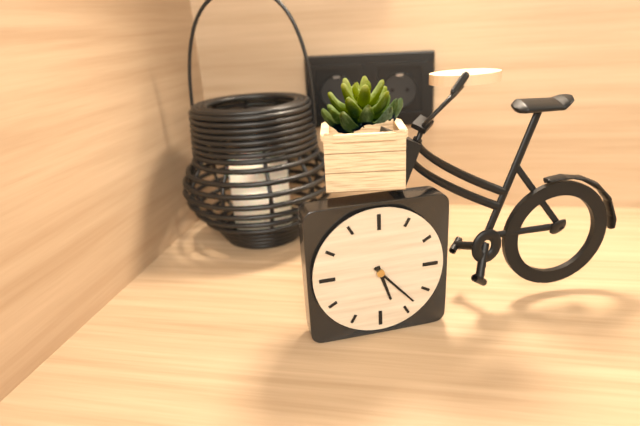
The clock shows **5:23**
